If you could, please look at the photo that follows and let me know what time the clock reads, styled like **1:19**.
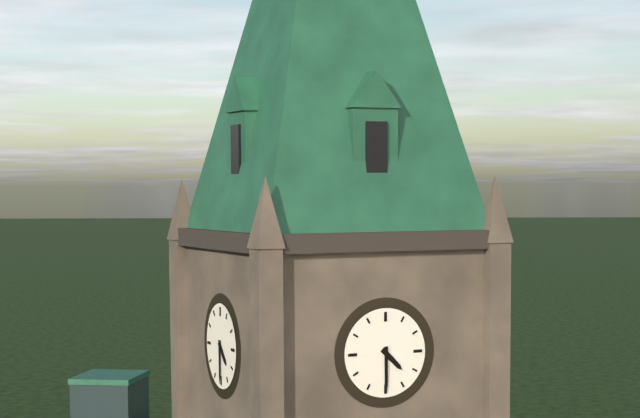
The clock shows **4:30**
